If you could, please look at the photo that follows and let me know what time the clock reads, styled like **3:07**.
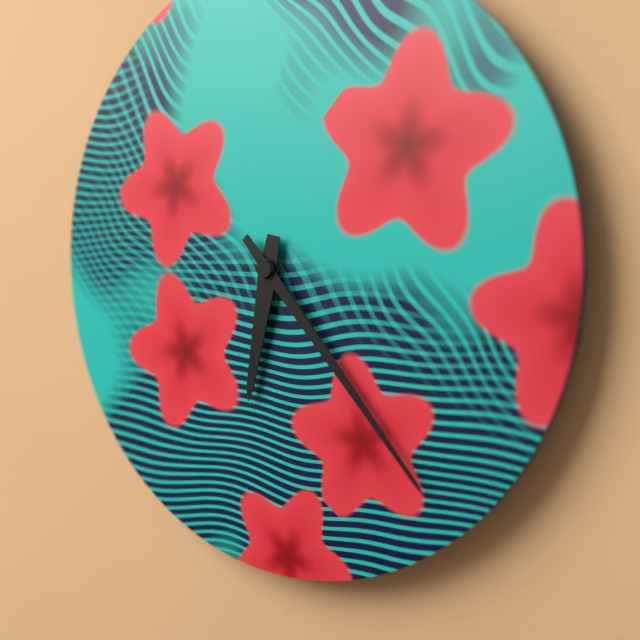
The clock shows **6:23**
